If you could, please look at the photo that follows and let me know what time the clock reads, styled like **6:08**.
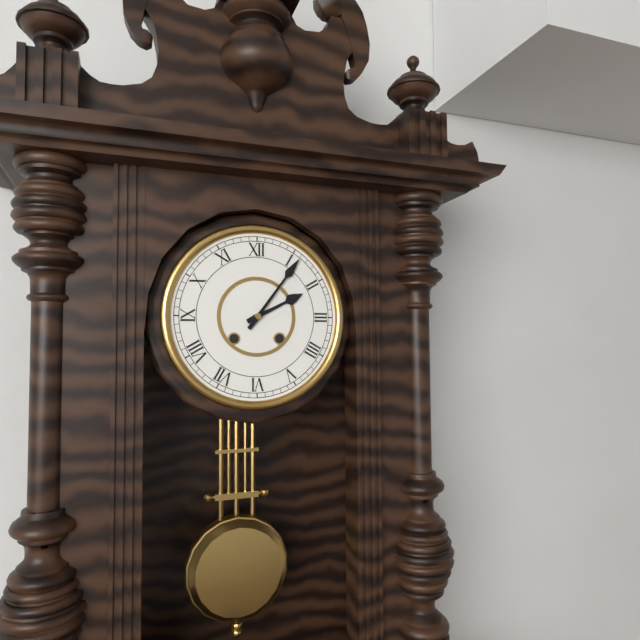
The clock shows **2:06**
